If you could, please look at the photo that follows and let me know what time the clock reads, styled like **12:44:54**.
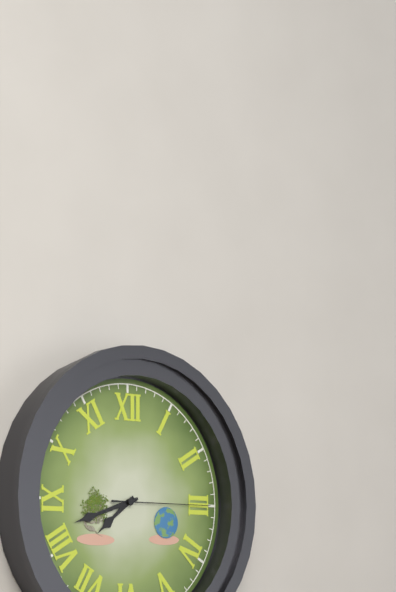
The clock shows **7:42:15**
